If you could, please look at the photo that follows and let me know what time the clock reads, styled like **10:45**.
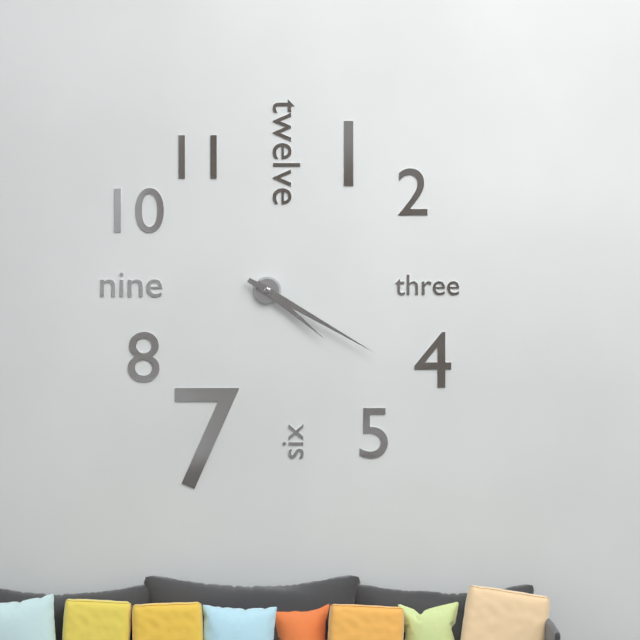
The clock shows **4:20**
